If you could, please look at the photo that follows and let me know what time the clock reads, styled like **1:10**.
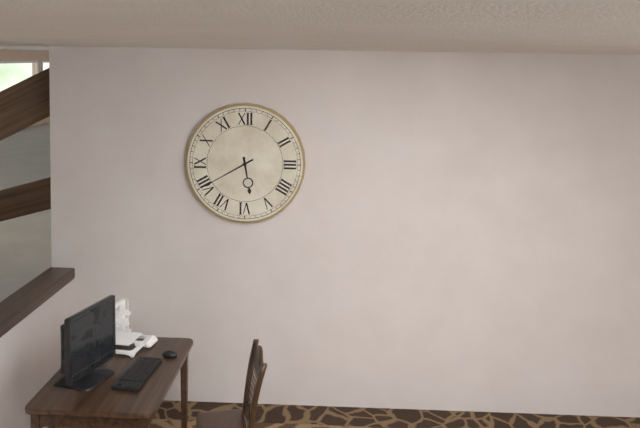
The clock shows **5:40**
